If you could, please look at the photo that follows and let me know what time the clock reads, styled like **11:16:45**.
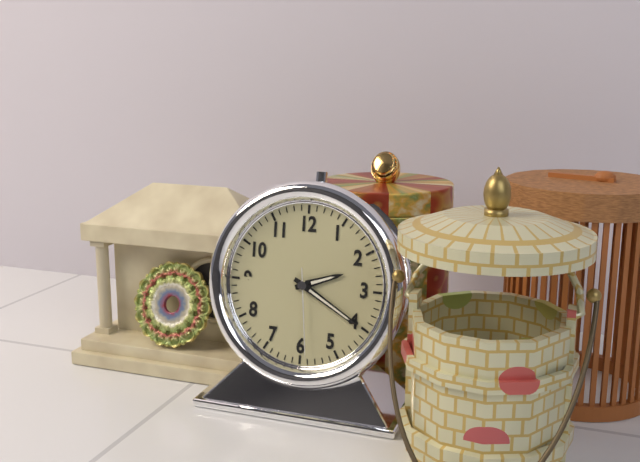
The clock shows **2:20:29**
